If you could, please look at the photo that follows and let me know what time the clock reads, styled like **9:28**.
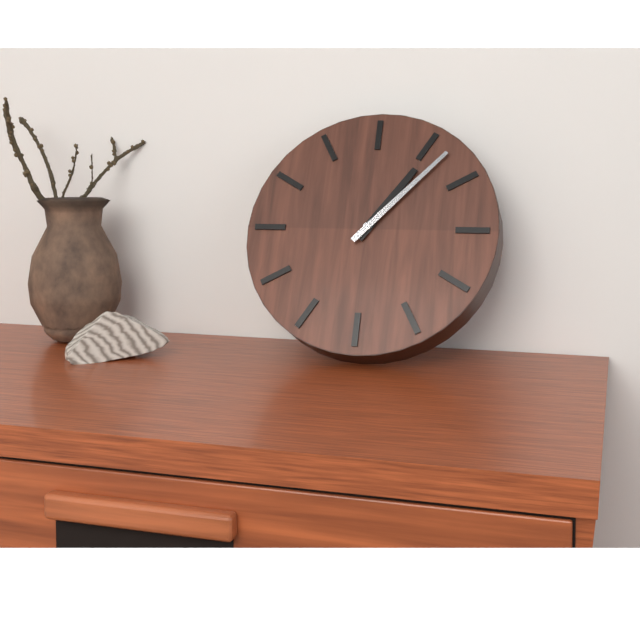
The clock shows **1:07**
